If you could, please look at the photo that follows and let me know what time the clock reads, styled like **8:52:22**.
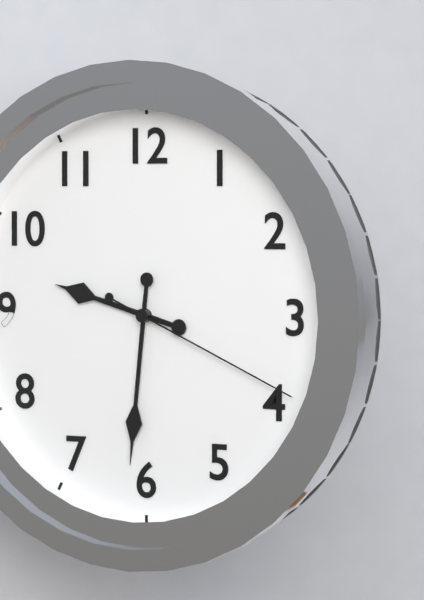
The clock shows **9:31:19**
